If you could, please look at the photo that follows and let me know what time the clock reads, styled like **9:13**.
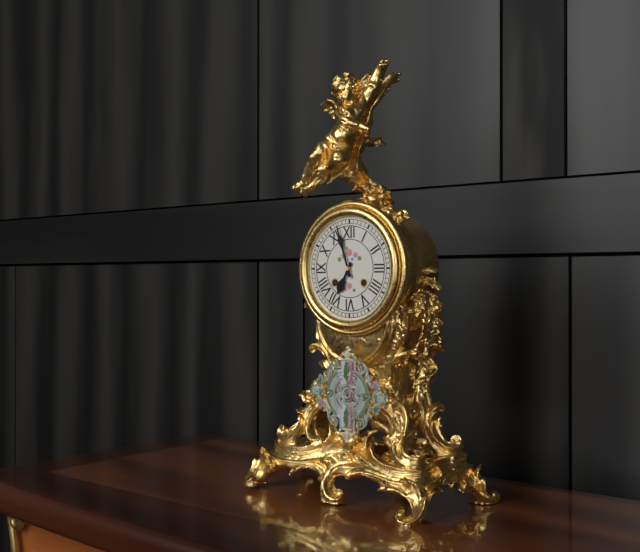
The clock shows **6:57**
